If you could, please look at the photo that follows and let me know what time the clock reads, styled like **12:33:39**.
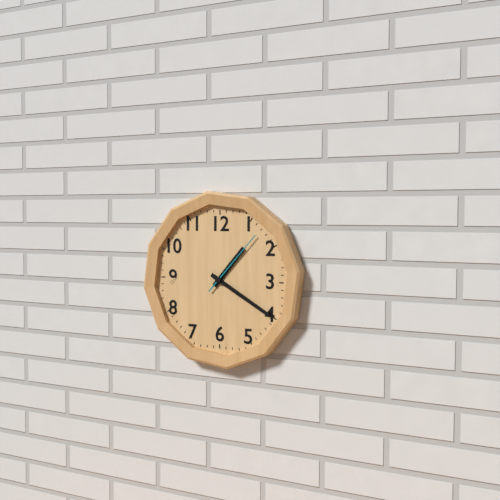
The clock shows **1:20:07**
